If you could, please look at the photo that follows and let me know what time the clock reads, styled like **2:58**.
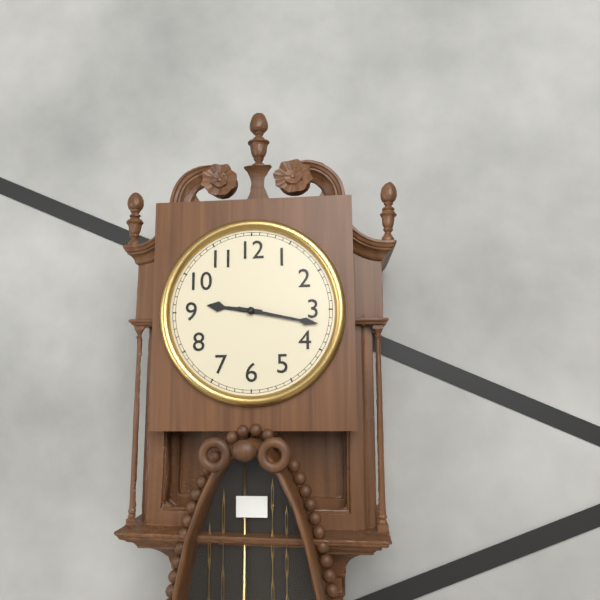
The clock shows **9:17**
